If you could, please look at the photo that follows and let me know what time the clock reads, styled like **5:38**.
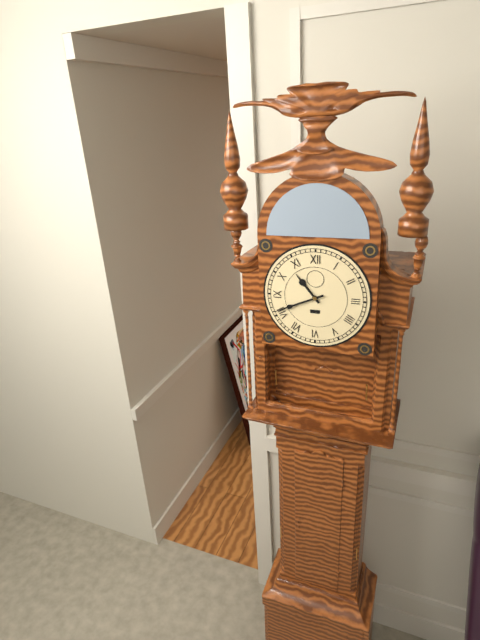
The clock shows **10:41**
